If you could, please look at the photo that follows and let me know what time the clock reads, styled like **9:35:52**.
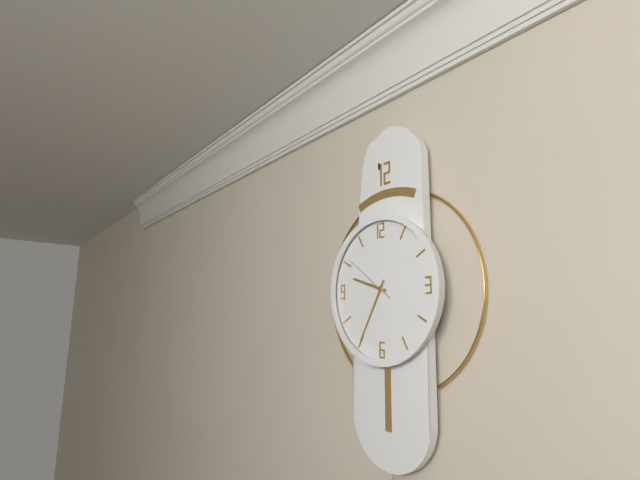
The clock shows **9:35:51**
